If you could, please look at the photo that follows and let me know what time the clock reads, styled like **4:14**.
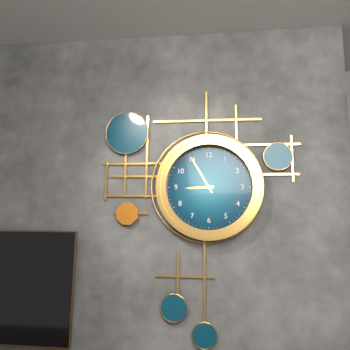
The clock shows **8:55**
